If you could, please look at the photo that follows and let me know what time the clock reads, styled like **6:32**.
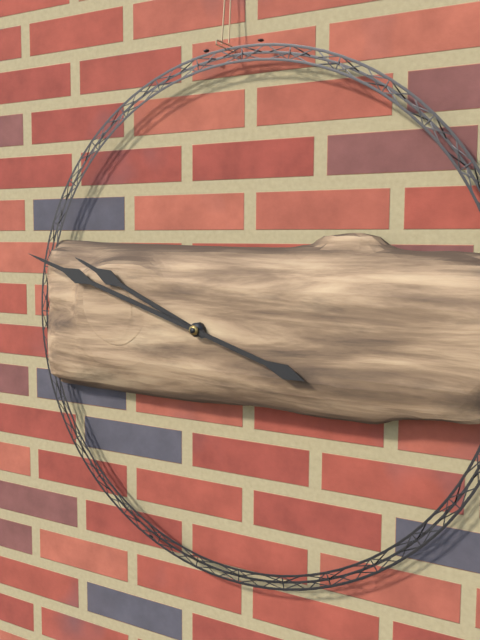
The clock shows **9:48**
